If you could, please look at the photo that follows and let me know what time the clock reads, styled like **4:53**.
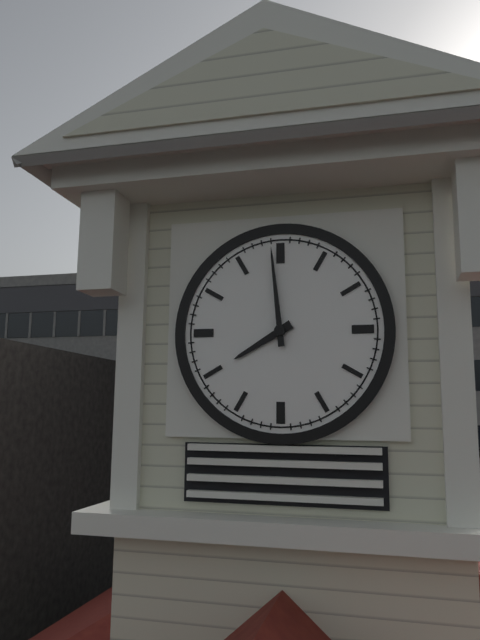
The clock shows **7:59**
